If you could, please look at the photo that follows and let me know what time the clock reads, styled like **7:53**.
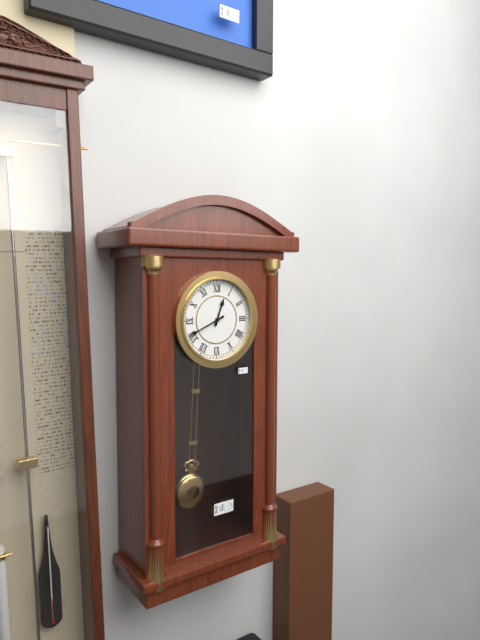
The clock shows **12:41**
